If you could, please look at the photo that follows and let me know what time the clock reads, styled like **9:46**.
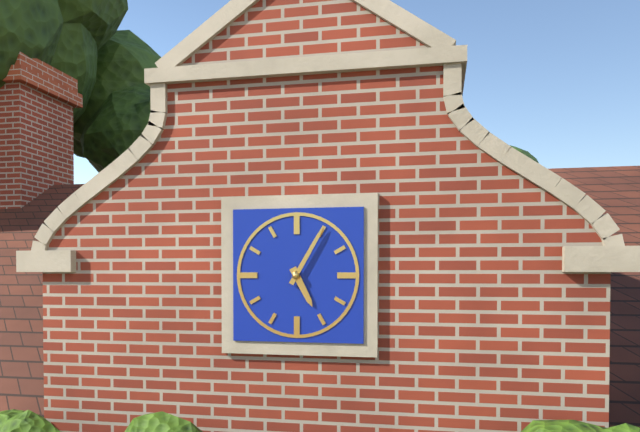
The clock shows **5:05**
